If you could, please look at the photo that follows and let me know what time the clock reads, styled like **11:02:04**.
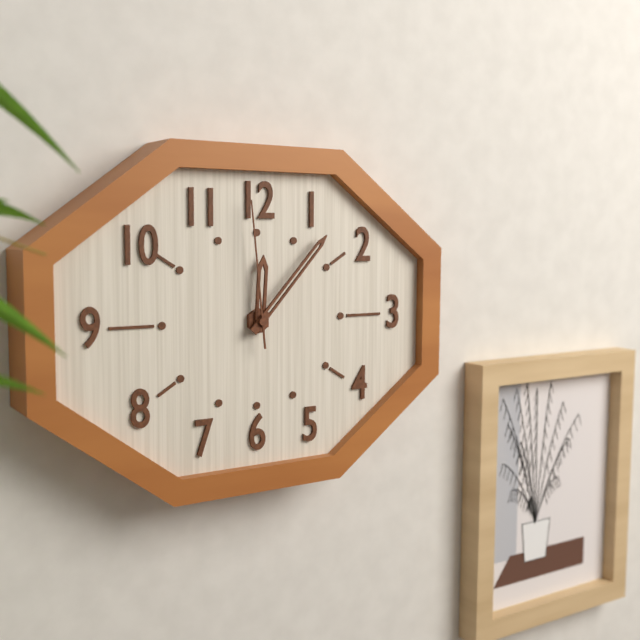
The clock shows **12:07:59**
